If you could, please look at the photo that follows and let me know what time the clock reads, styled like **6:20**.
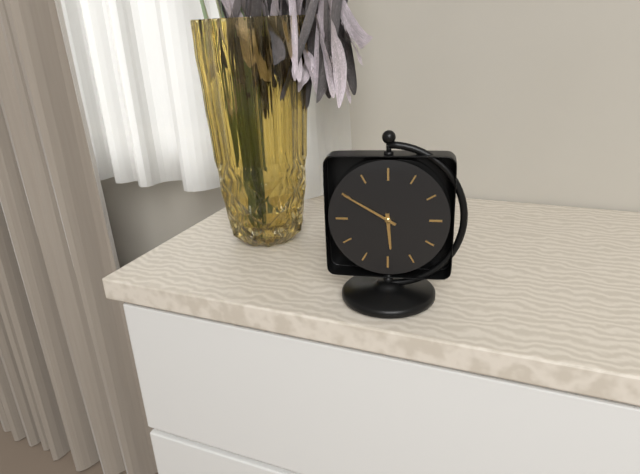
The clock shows **5:50**
